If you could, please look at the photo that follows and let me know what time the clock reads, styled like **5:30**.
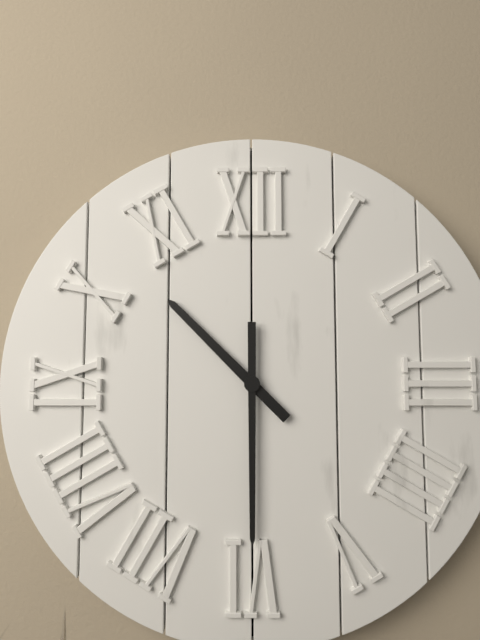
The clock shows **10:30**
